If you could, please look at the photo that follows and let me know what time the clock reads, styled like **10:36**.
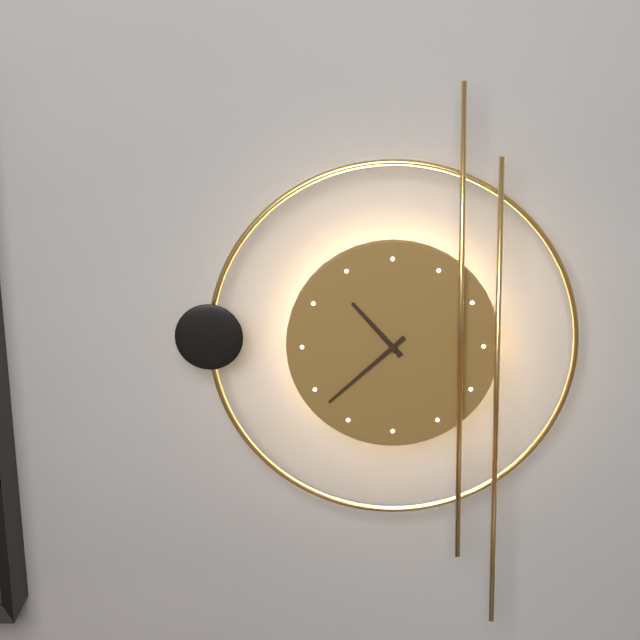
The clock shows **10:38**
